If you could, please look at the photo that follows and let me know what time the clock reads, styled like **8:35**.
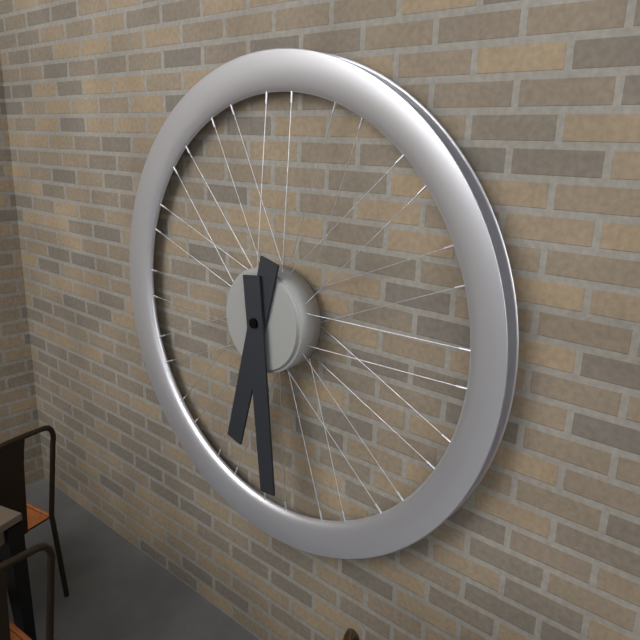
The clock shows **6:29**
